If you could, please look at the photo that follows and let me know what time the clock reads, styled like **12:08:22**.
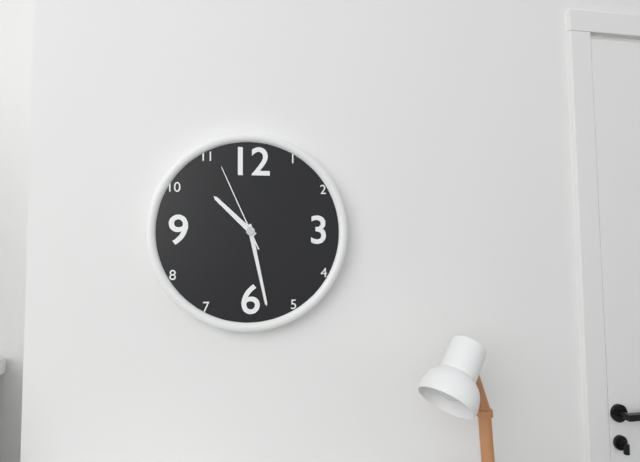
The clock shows **10:28:56**
